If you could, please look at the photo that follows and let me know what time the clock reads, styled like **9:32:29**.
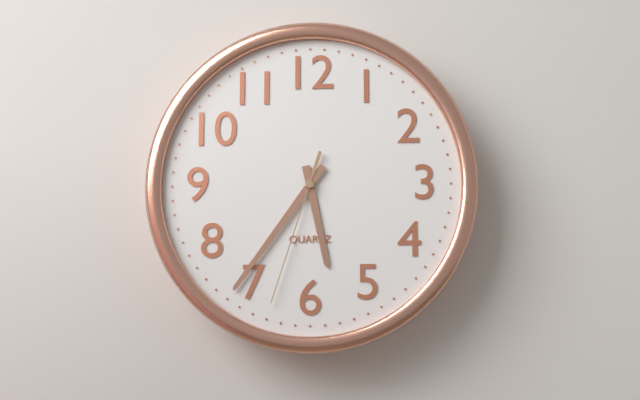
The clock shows **5:36:33**
